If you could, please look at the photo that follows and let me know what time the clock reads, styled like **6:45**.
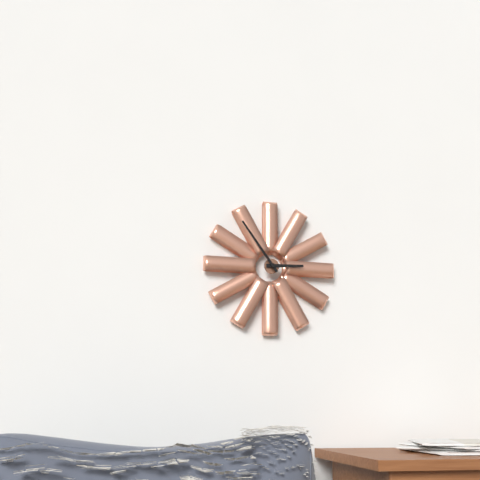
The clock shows **2:54**
